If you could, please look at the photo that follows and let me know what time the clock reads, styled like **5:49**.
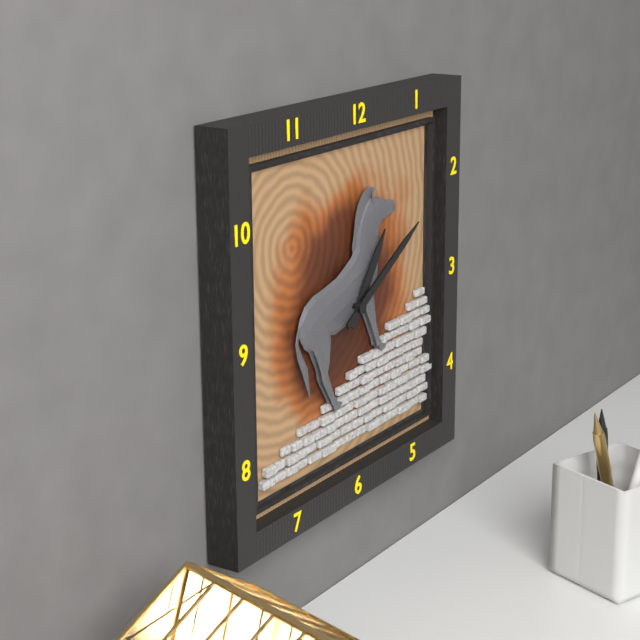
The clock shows **1:10**
